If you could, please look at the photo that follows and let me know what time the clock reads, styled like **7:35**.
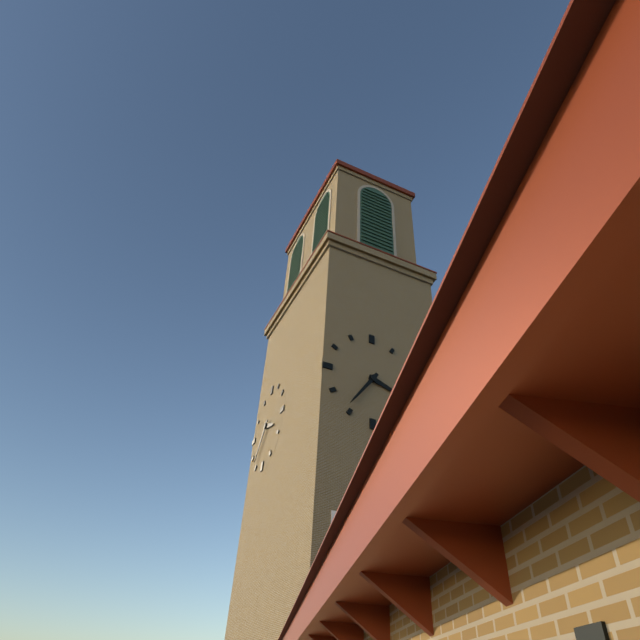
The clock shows **3:36**
